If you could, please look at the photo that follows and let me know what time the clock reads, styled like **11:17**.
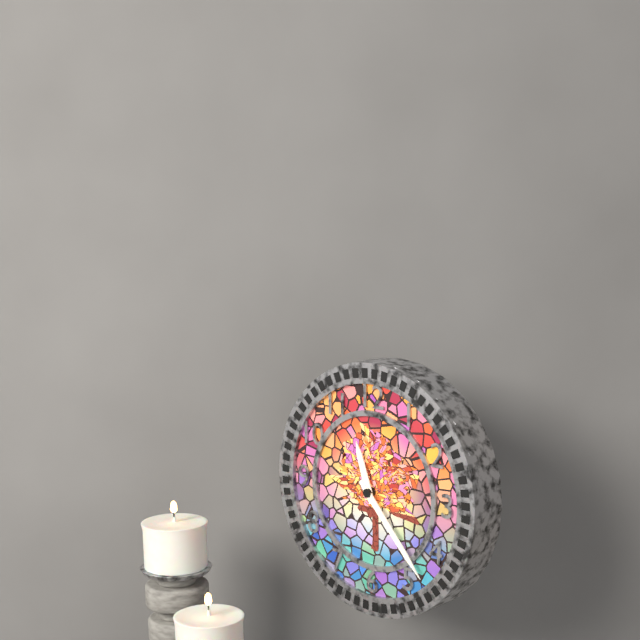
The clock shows **11:23**
